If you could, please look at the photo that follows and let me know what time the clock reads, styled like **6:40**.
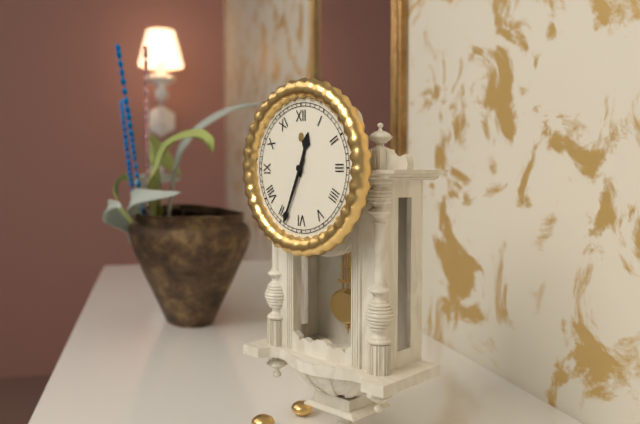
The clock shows **12:34**
